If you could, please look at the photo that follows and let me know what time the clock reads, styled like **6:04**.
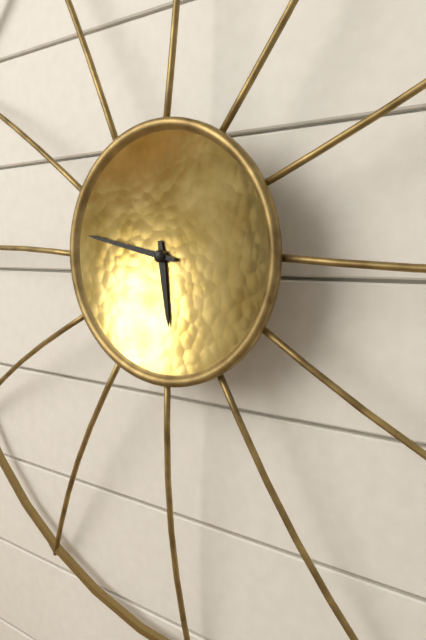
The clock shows **5:47**
